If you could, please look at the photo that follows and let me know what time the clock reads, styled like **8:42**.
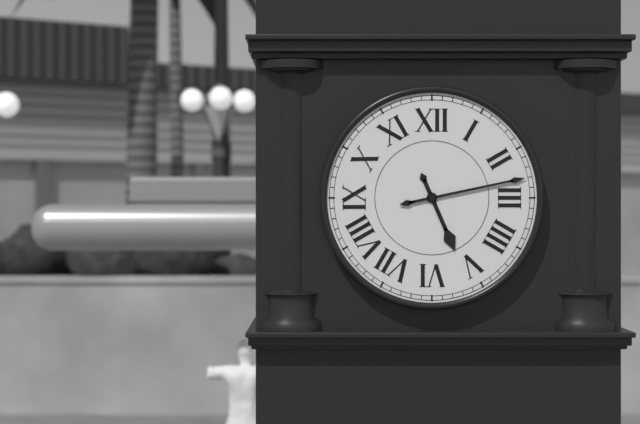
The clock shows **5:13**
